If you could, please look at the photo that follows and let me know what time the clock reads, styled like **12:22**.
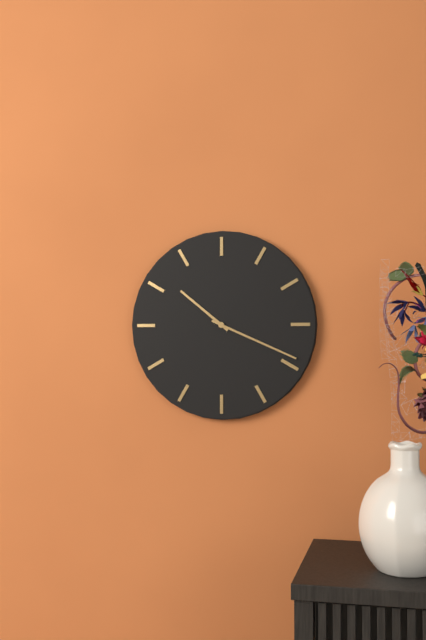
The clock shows **10:19**
